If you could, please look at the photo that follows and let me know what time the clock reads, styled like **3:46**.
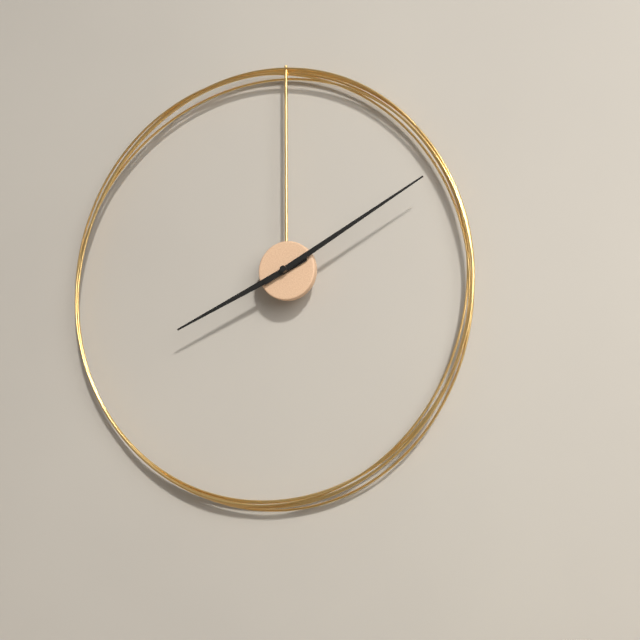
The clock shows **8:10**
